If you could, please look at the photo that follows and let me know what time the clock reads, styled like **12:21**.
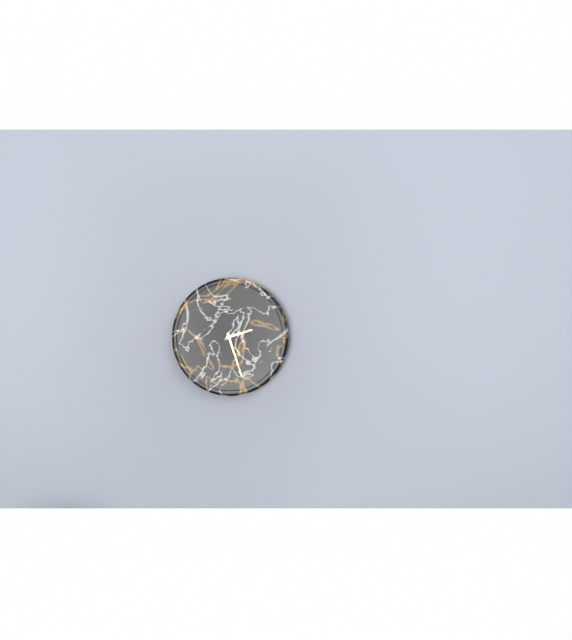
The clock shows **2:27**
